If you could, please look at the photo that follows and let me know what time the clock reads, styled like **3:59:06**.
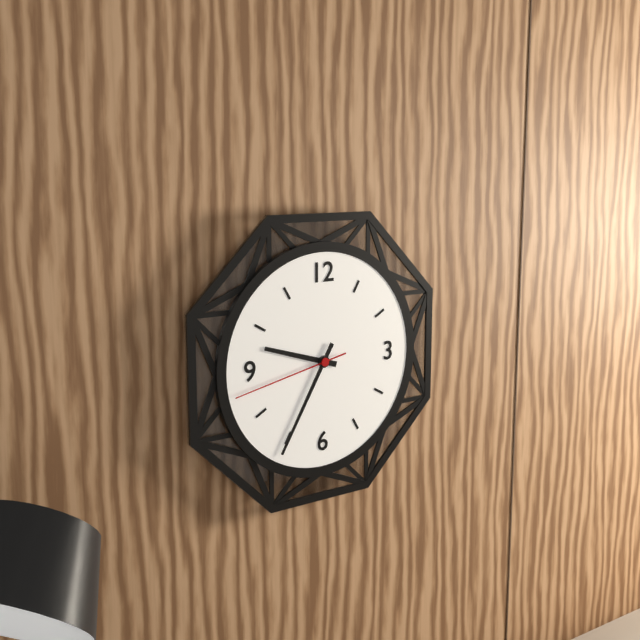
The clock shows **9:35:43**
